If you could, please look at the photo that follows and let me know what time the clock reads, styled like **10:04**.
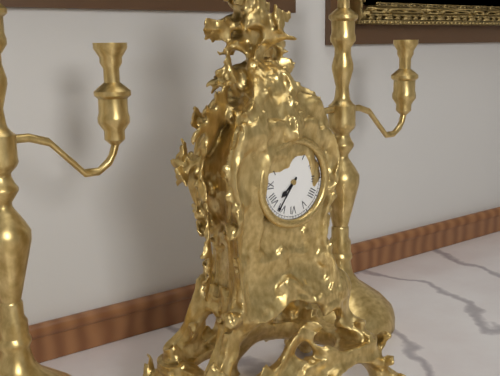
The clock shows **7:36**
